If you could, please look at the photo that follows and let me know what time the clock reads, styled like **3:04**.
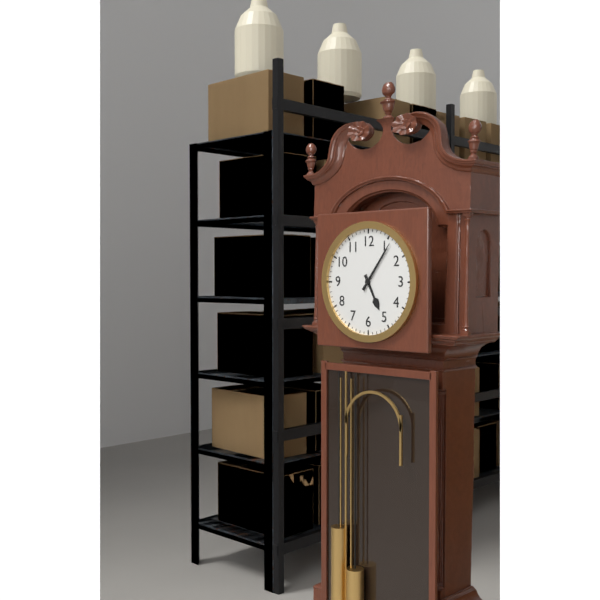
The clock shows **5:06**
